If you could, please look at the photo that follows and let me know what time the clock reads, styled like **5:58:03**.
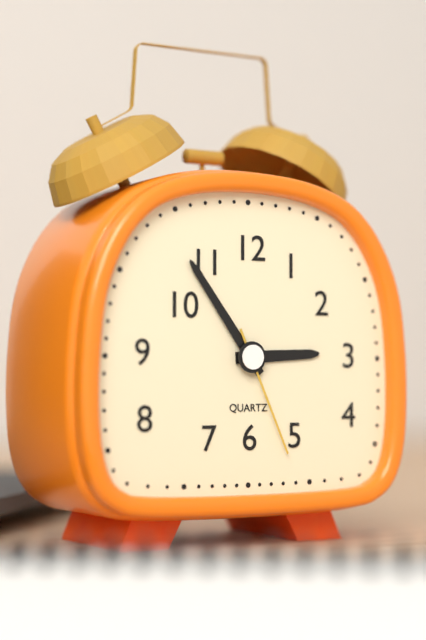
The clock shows **2:54:26**
